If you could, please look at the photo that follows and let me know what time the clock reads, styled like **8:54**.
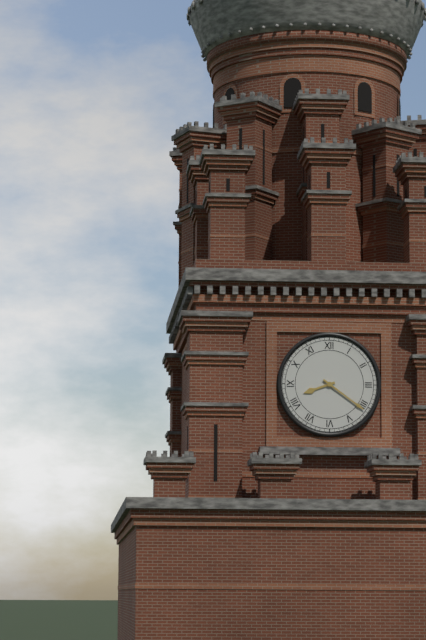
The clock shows **8:21**
